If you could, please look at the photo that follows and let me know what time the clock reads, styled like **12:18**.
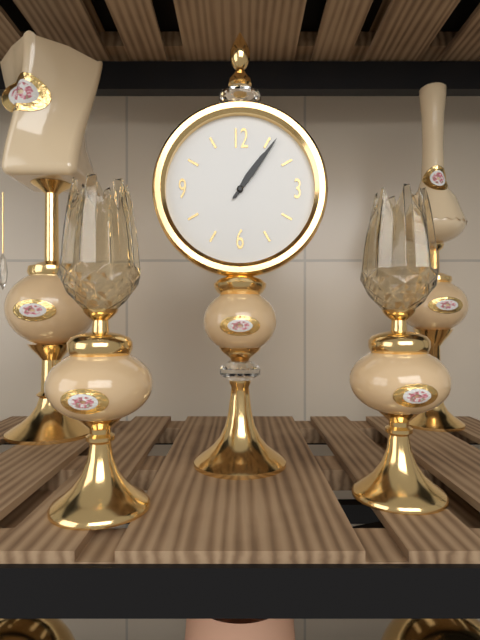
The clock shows **1:06**
